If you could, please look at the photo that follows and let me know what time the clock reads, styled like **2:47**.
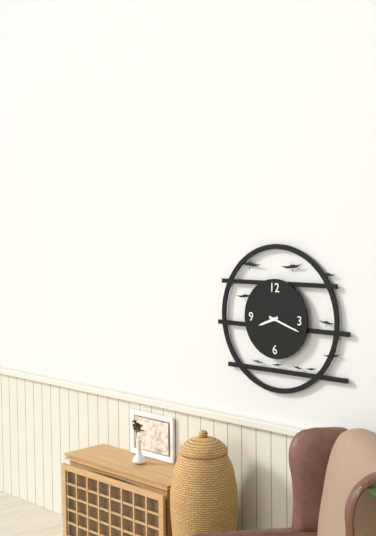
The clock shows **8:18**
